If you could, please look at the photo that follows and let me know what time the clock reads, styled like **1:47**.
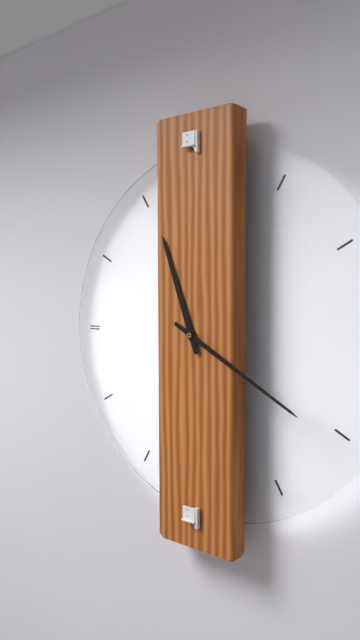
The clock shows **11:20**
